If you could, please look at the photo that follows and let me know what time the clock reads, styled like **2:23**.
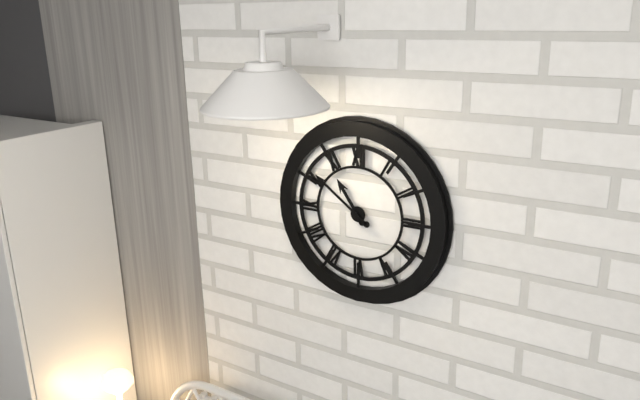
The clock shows **10:51**
